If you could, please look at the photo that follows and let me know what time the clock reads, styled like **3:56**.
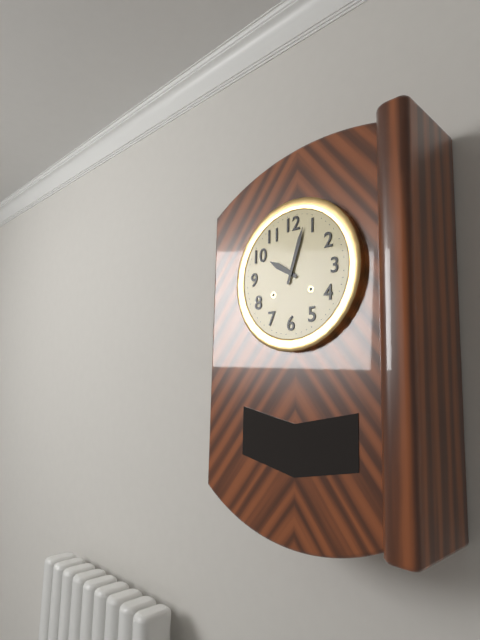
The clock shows **10:03**
